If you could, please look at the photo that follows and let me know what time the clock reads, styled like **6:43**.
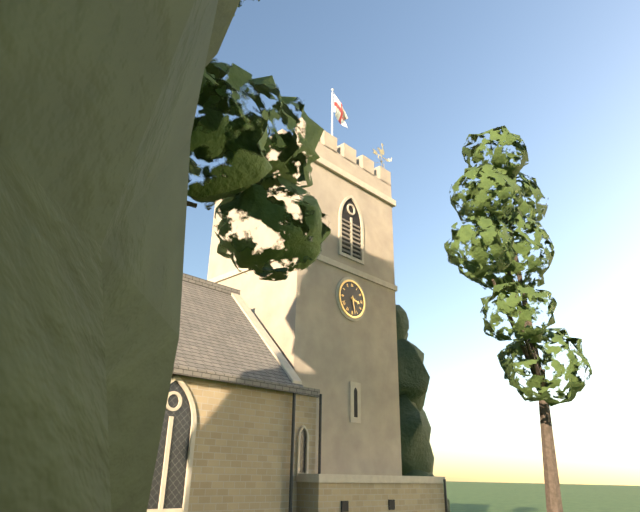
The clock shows **3:28**
